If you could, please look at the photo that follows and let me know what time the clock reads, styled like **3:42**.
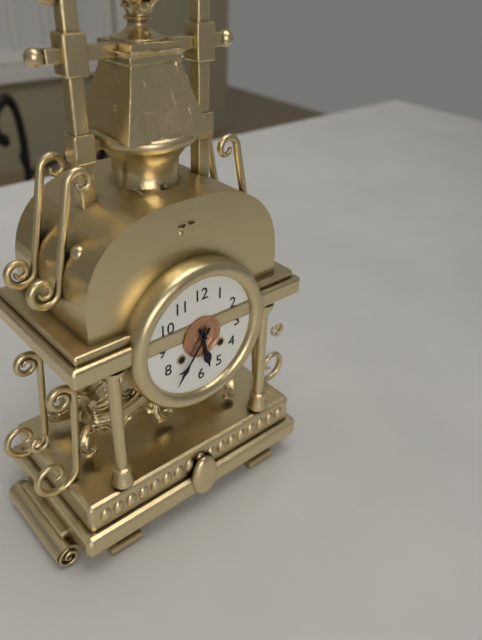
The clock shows **5:36**
